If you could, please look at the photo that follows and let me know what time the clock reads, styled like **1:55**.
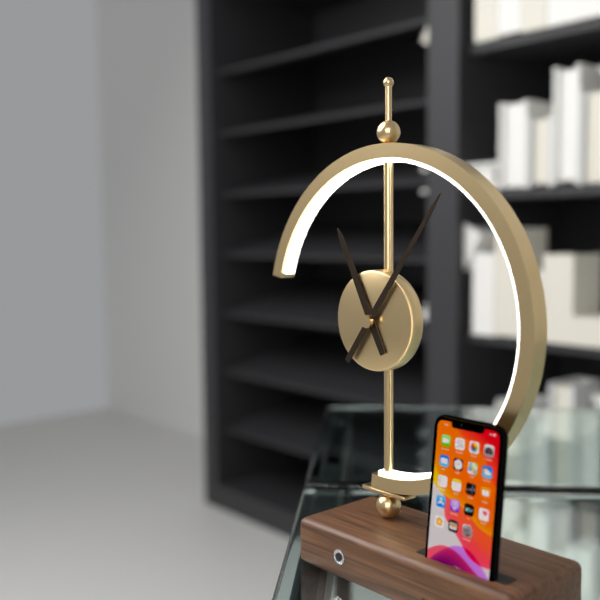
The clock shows **11:06**
